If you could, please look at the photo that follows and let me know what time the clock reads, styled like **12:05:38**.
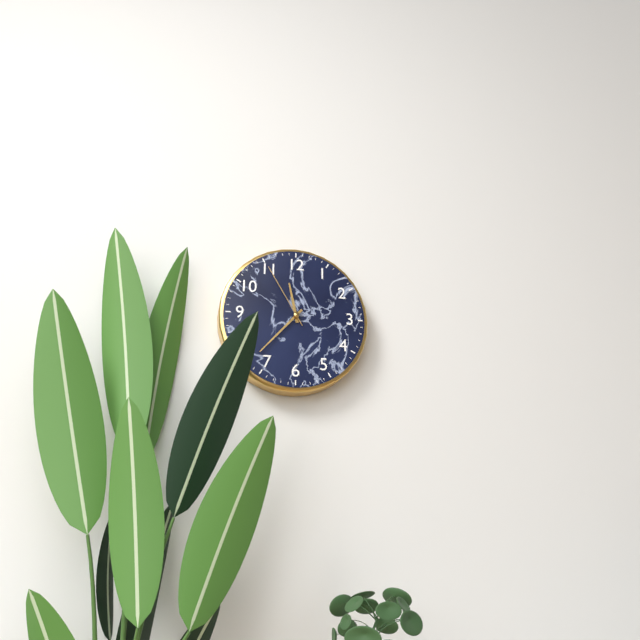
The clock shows **11:37:55**
